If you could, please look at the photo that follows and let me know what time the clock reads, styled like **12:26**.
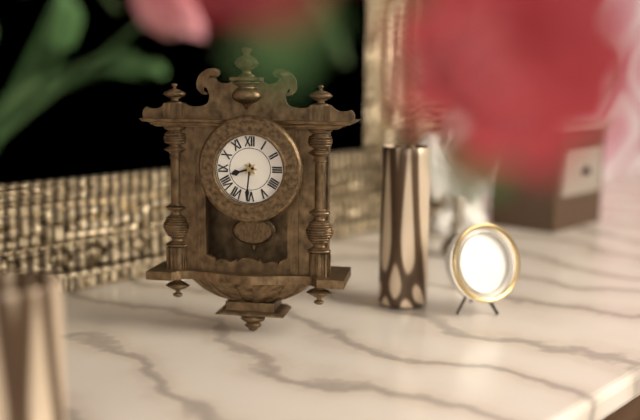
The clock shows **8:31**
